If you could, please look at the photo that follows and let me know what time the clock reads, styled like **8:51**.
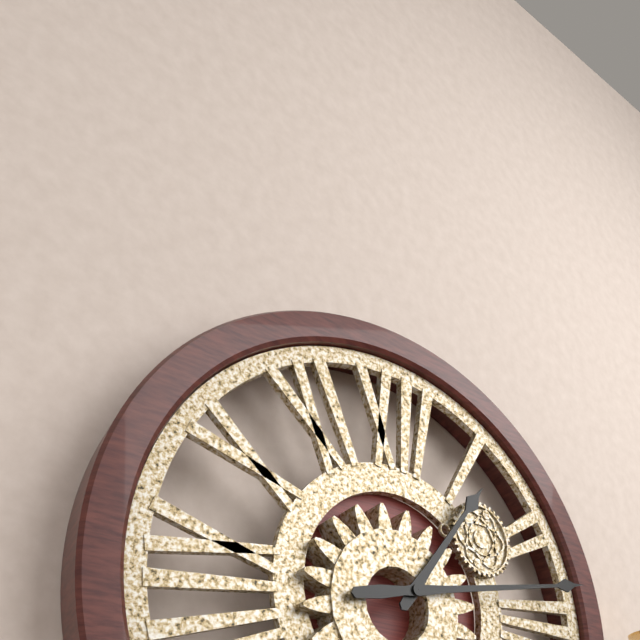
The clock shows **1:13**
